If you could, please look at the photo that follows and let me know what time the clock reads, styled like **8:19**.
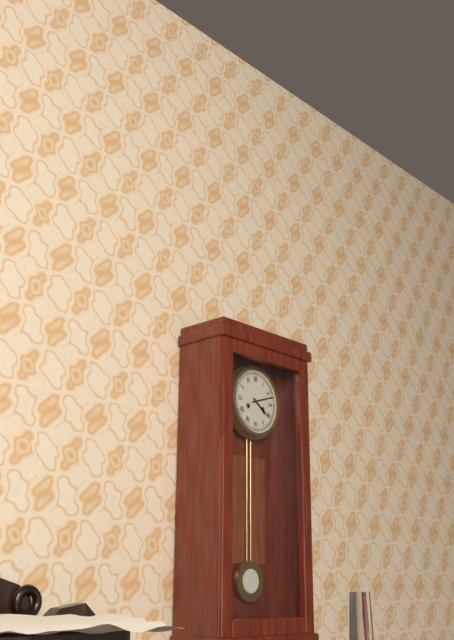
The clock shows **4:12**
